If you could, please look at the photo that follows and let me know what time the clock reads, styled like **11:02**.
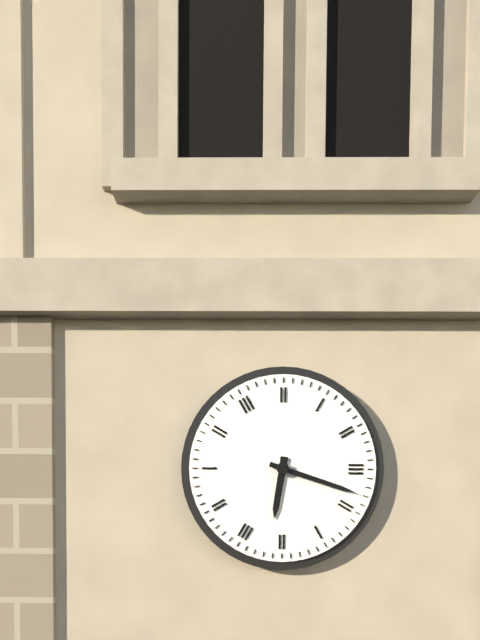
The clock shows **6:18**
